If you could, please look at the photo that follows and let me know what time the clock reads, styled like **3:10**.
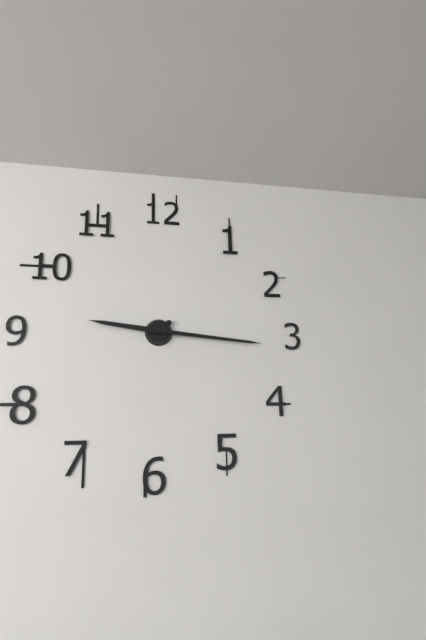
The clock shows **9:16**
